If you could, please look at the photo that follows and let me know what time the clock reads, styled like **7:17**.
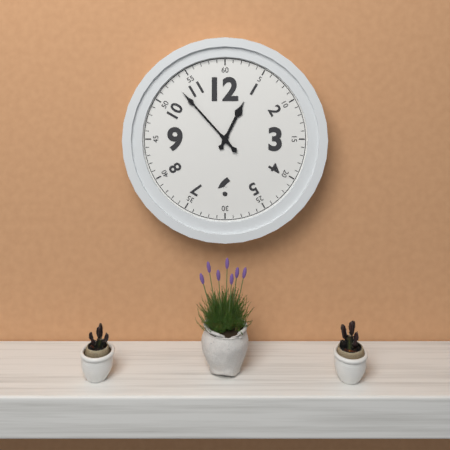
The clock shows **12:53**
